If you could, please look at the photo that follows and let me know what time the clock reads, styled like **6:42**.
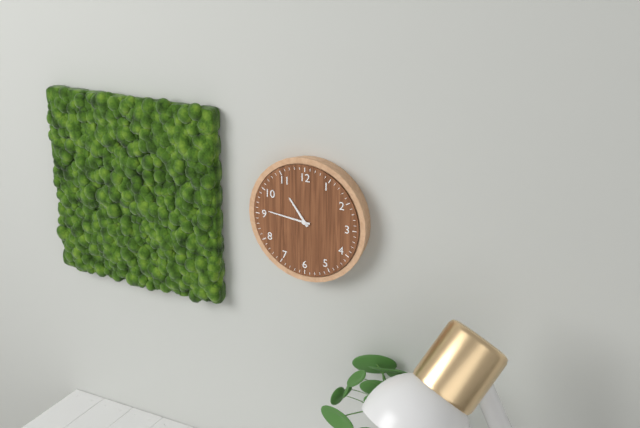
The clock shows **10:46**
